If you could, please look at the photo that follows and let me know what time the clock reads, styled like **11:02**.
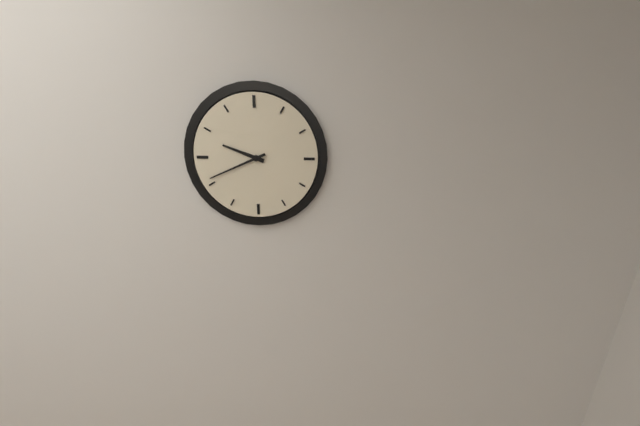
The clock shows **9:41**
